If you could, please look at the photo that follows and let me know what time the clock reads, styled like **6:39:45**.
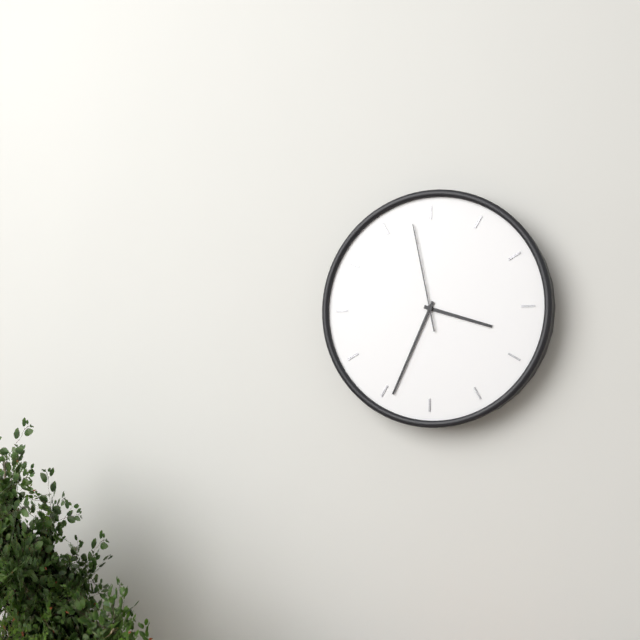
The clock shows **3:34:58**
